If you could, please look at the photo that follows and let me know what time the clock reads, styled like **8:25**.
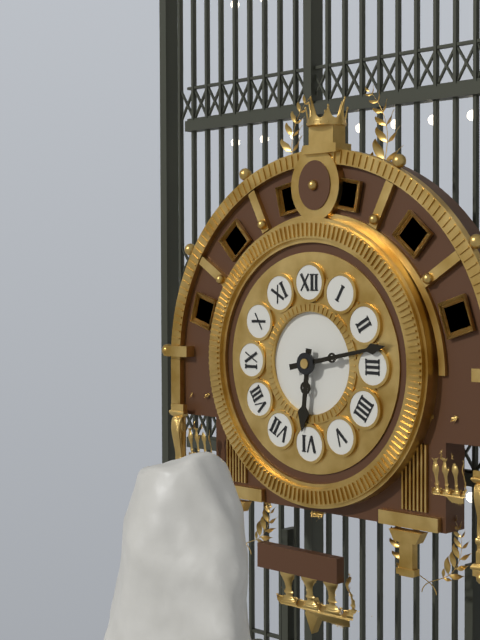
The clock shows **6:13**
